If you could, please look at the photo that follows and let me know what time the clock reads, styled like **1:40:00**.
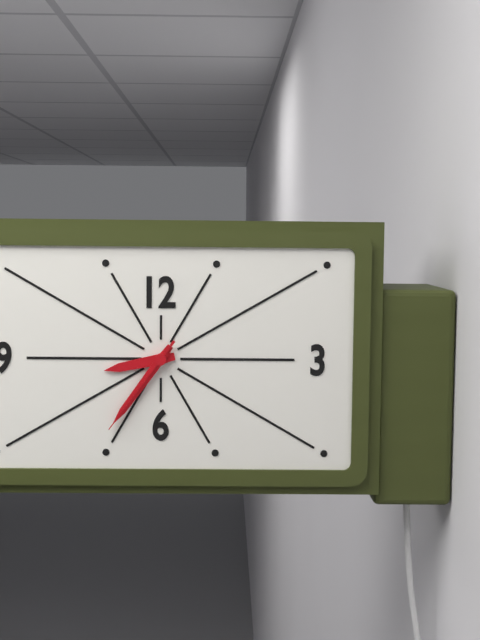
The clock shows **8:36:36**
